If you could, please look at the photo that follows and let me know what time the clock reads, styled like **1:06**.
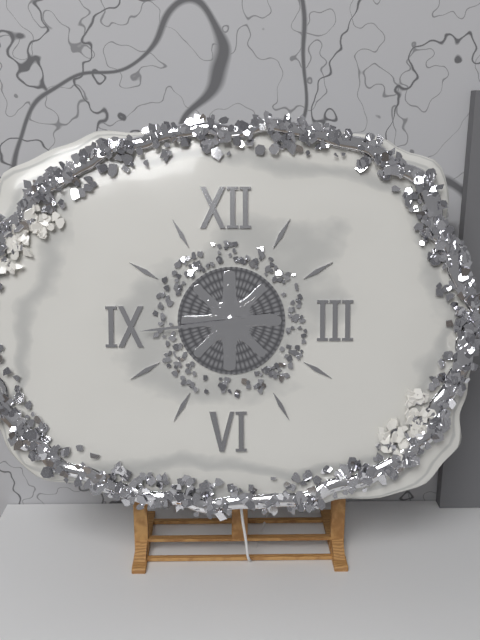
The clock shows **2:44**
